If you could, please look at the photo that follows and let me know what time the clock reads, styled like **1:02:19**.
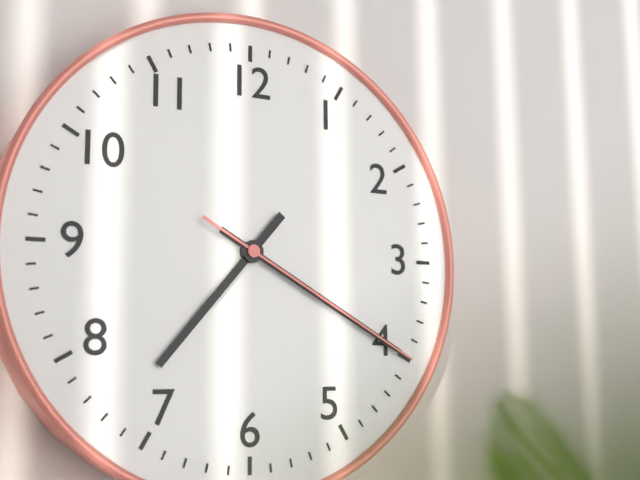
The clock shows **7:20:20**
